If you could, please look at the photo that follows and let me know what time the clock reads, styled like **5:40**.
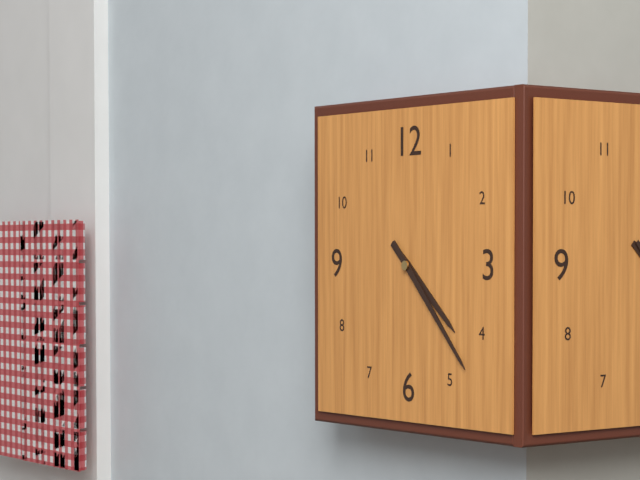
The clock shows **4:23**
